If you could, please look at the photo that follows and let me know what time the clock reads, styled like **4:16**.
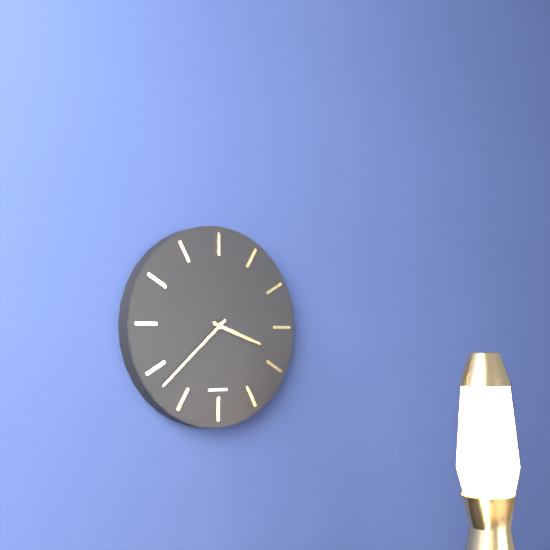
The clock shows **3:38**
